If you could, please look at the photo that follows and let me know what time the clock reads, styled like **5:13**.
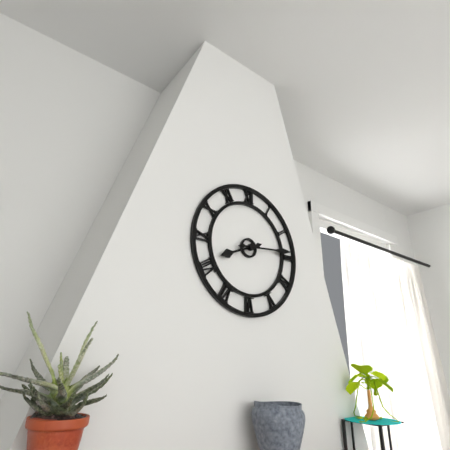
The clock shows **8:14**
